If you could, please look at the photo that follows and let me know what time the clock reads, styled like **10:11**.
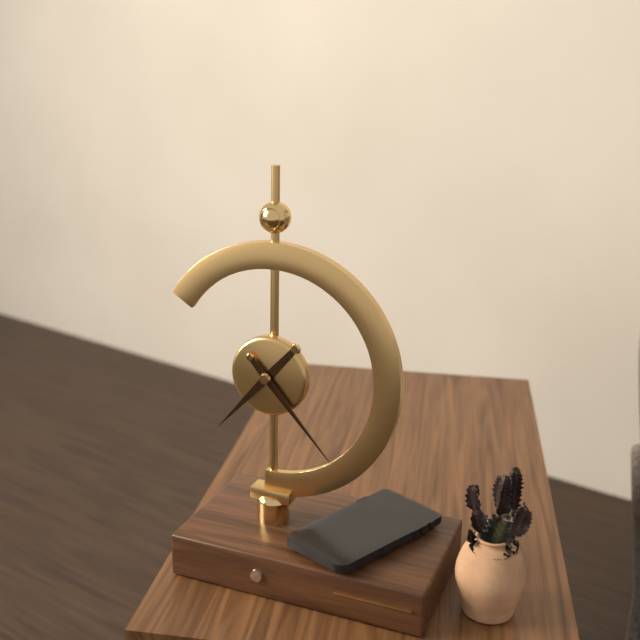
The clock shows **7:23**
